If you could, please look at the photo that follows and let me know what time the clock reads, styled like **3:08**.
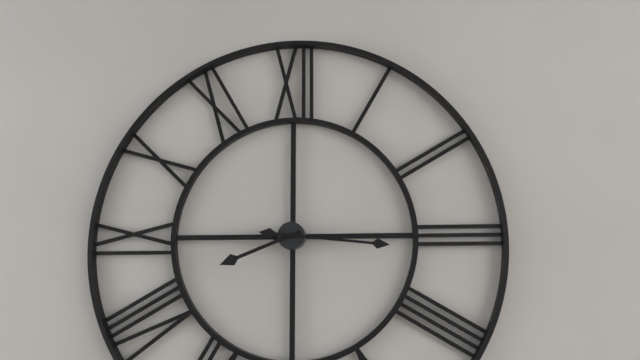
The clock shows **8:16**
